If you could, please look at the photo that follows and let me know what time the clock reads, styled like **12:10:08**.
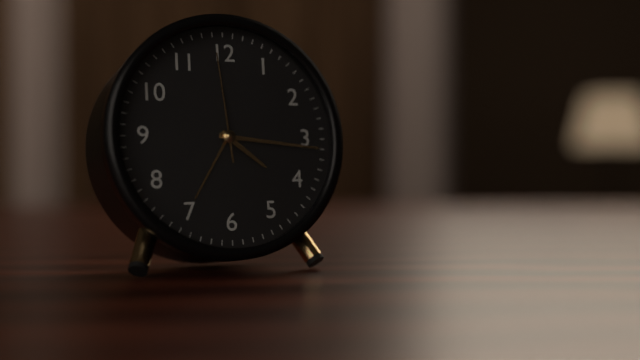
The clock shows **4:16:59**
